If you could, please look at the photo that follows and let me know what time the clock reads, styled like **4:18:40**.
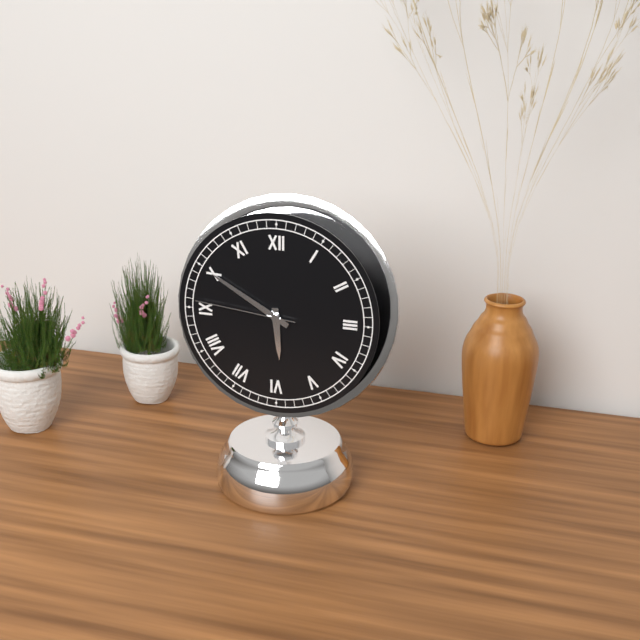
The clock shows **5:50:46**
